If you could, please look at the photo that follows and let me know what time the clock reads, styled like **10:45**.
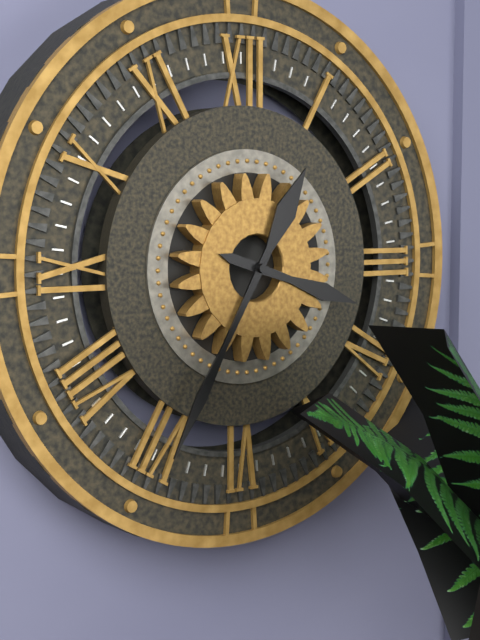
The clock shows **3:35**
